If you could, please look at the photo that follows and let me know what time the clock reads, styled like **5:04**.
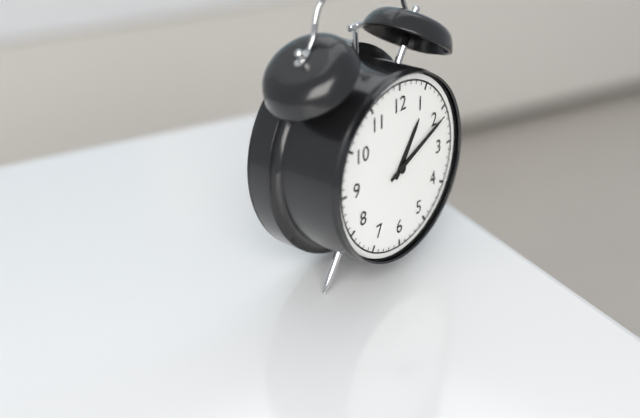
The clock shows **1:11**
